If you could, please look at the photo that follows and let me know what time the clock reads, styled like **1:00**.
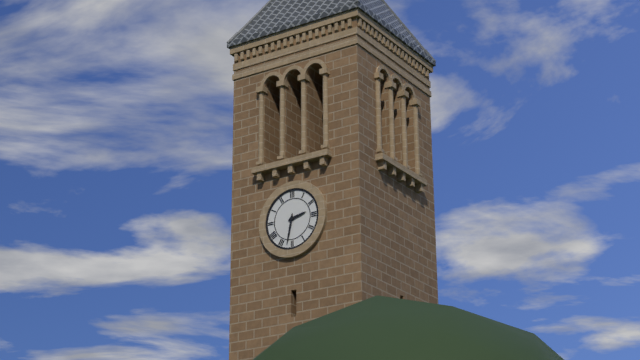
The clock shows **2:32**
